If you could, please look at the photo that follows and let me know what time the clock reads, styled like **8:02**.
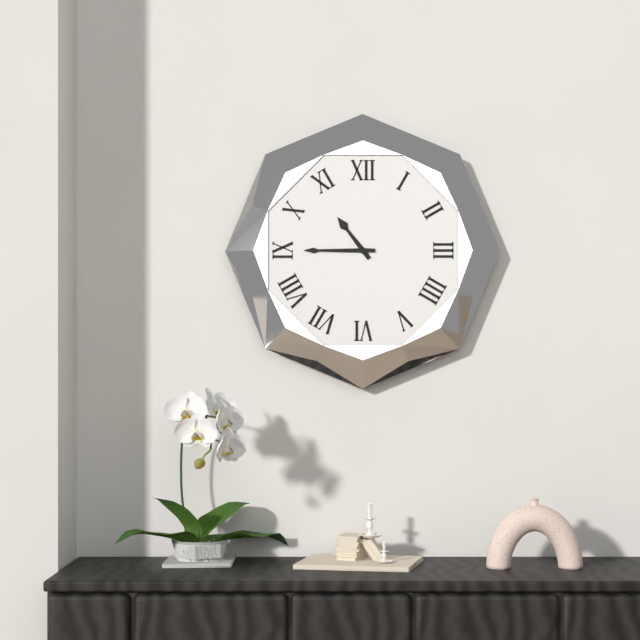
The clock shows **10:45**
